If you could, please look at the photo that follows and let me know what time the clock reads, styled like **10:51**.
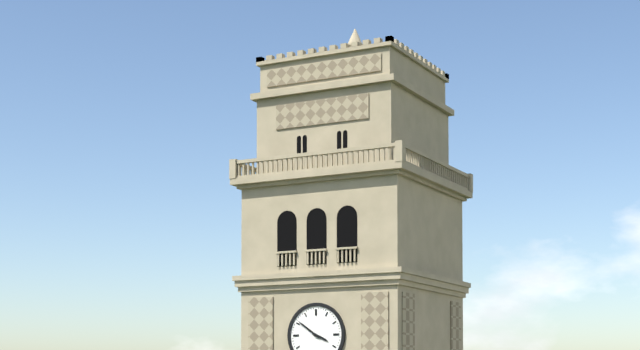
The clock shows **3:51**
